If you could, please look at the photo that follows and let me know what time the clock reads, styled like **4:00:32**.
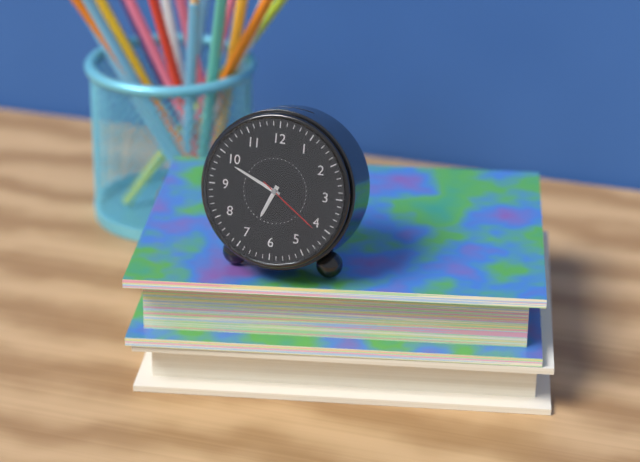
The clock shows **6:49:21**
